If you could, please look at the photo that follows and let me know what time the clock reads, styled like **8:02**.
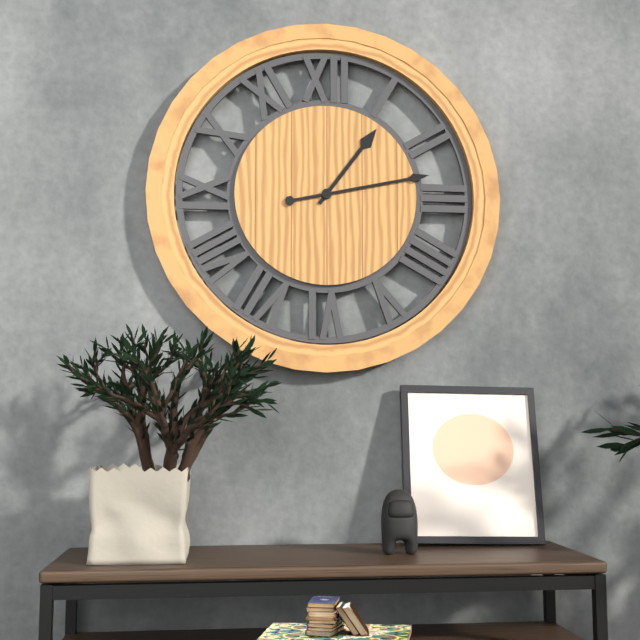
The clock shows **1:13**
